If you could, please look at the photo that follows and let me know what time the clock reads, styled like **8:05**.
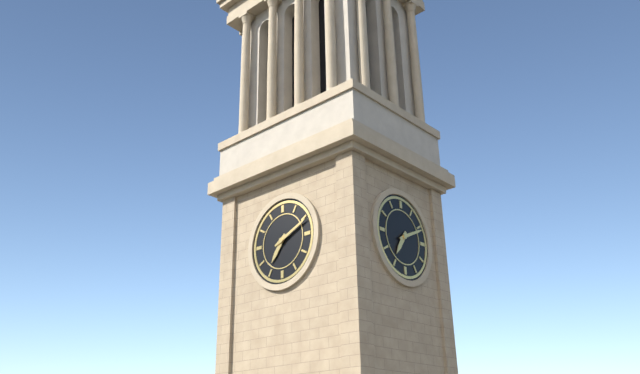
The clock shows **7:11**
